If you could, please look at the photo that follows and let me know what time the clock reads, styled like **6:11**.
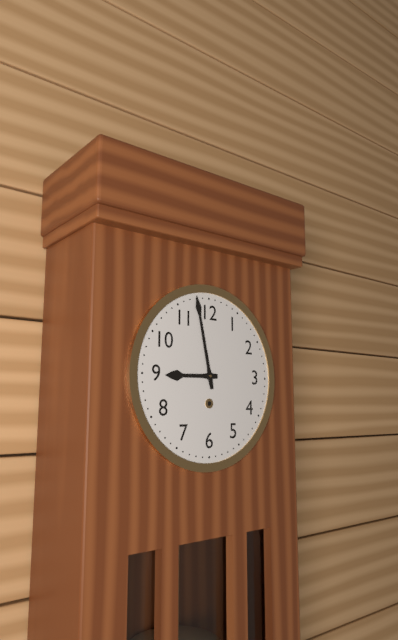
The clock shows **8:58**
